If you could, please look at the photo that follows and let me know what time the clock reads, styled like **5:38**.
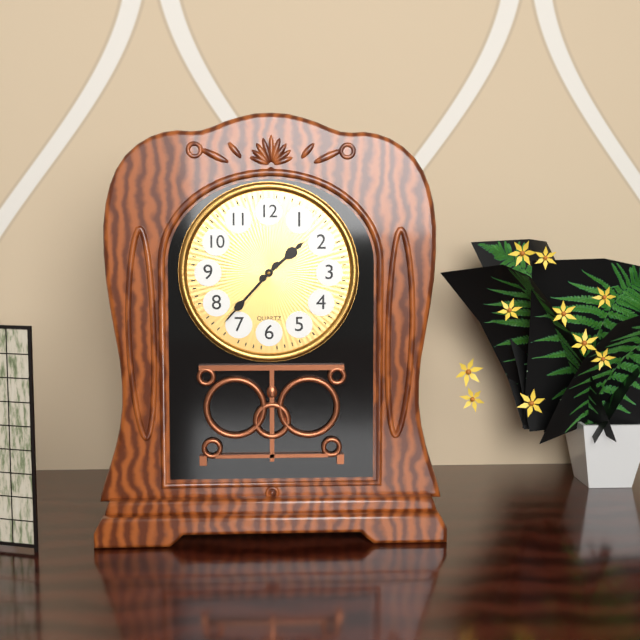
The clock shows **1:37**
